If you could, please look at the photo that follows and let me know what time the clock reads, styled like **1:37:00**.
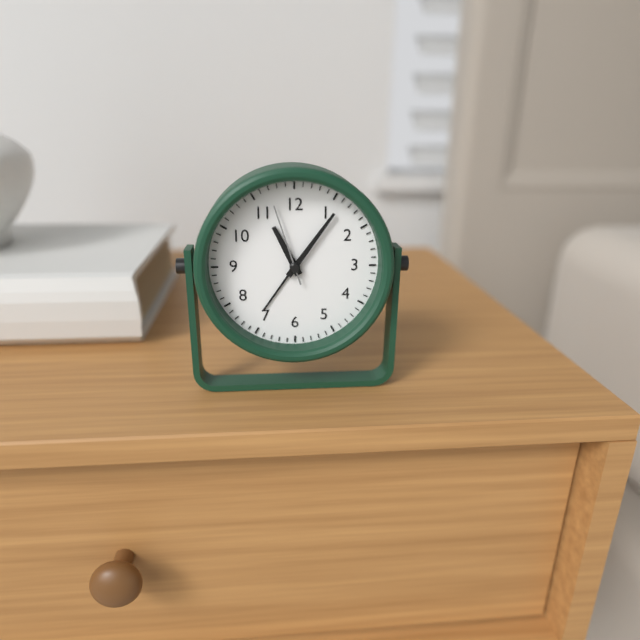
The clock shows **11:06:57**
